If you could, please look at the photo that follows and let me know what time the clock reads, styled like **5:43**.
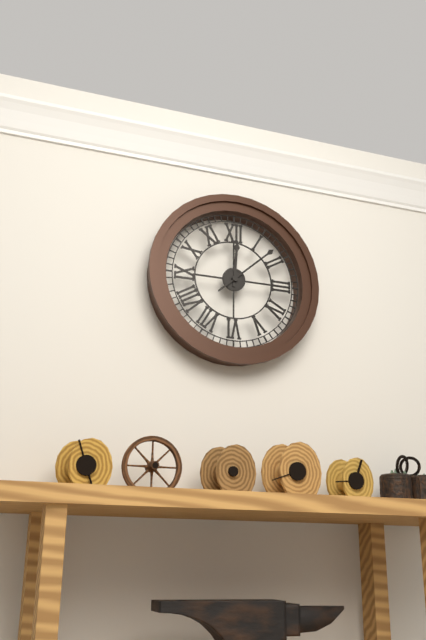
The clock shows **12:08**
